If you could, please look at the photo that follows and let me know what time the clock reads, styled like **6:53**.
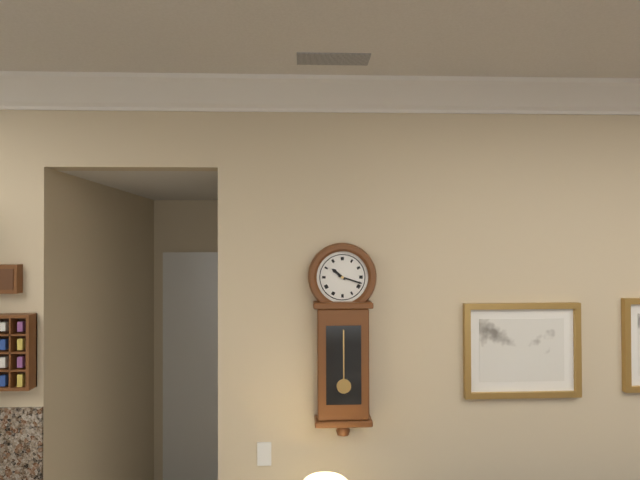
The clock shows **10:18**
